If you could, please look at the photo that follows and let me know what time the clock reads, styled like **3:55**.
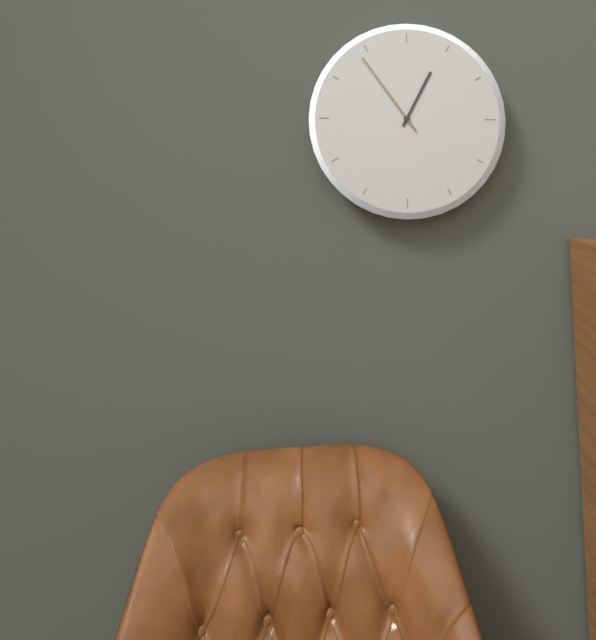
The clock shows **12:54**
